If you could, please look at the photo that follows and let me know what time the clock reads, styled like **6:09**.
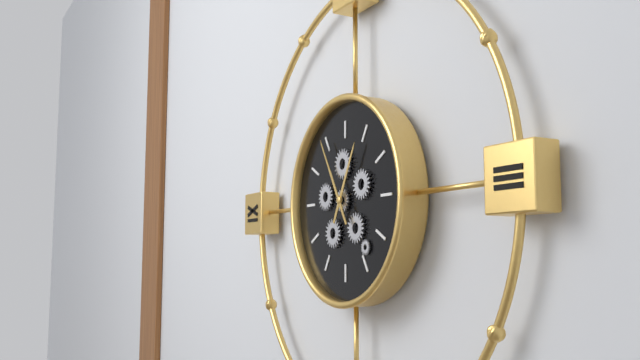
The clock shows **12:55**
